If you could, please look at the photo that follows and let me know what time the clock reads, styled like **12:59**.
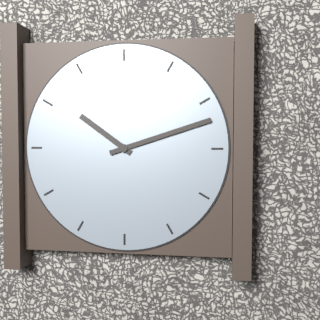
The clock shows **10:12**
